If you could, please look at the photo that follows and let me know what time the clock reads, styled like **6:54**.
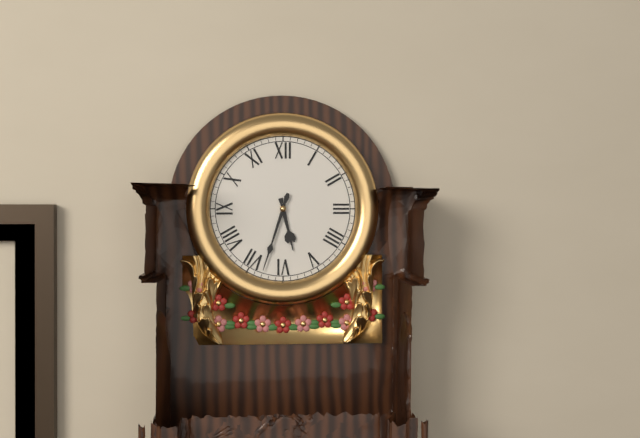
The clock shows **5:33**
